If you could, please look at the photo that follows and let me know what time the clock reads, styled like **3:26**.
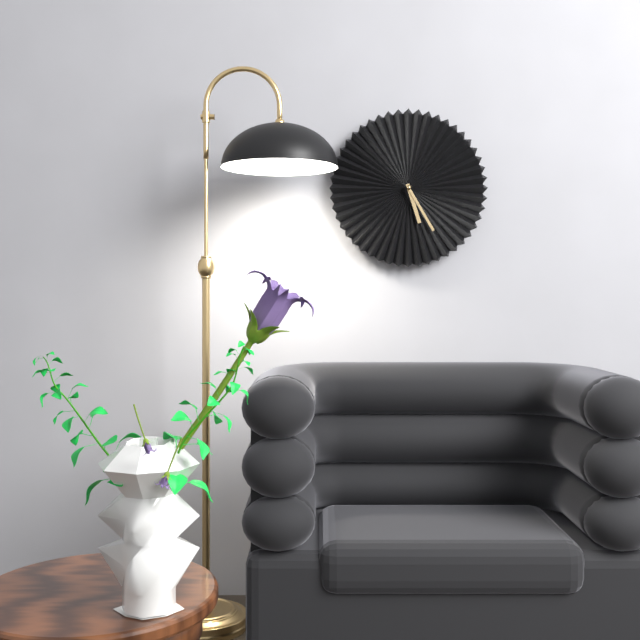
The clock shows **5:25**
